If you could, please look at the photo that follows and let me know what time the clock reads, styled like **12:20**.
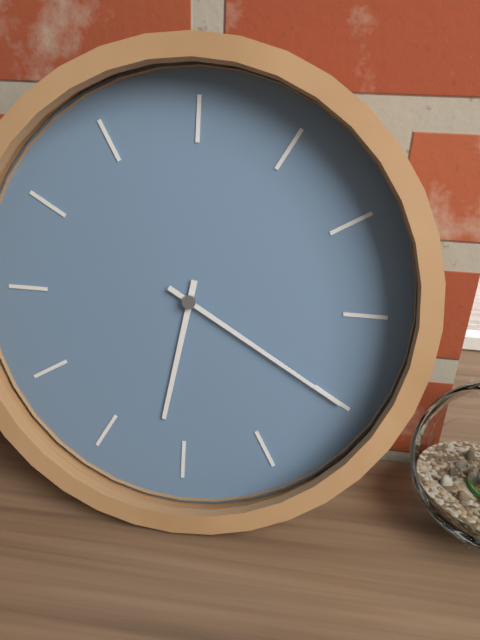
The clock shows **6:20**
